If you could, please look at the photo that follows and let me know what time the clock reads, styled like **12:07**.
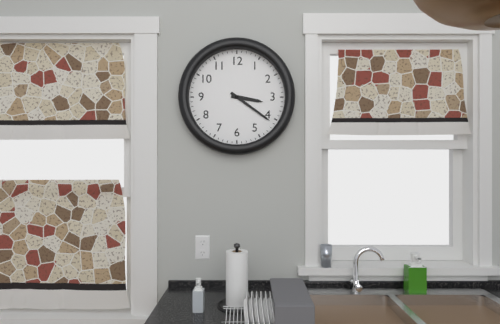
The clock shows **3:21**
